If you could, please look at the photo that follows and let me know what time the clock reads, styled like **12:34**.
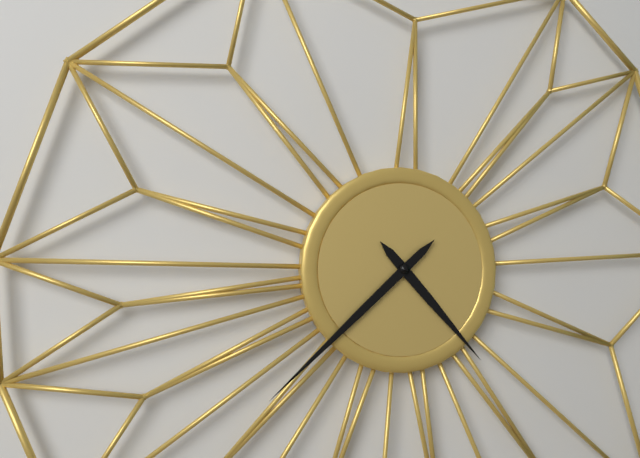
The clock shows **4:38**
